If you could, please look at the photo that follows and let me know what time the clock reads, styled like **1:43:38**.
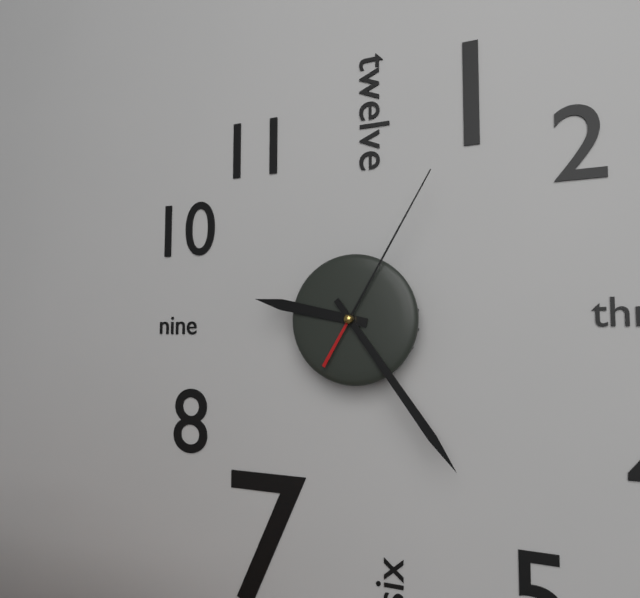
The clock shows **9:24:05**
